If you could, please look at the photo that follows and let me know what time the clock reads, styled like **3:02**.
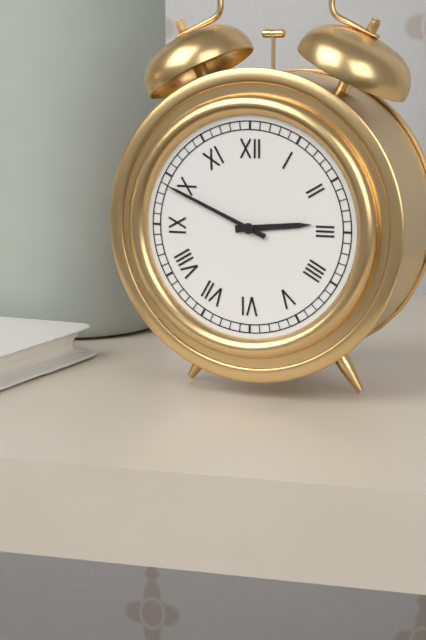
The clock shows **2:49**
